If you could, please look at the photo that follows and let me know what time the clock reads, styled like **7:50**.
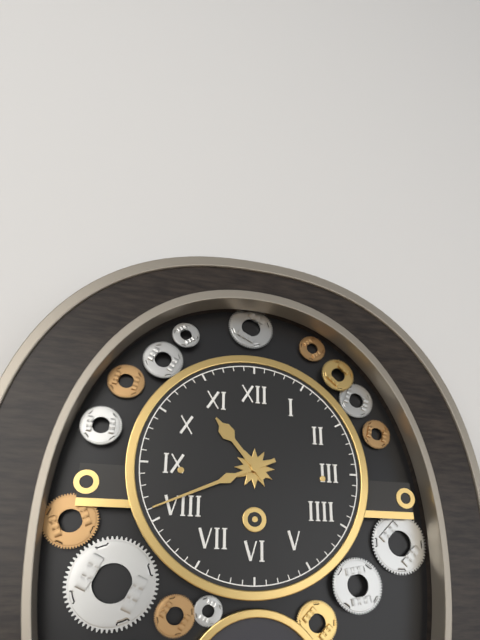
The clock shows **10:41**
